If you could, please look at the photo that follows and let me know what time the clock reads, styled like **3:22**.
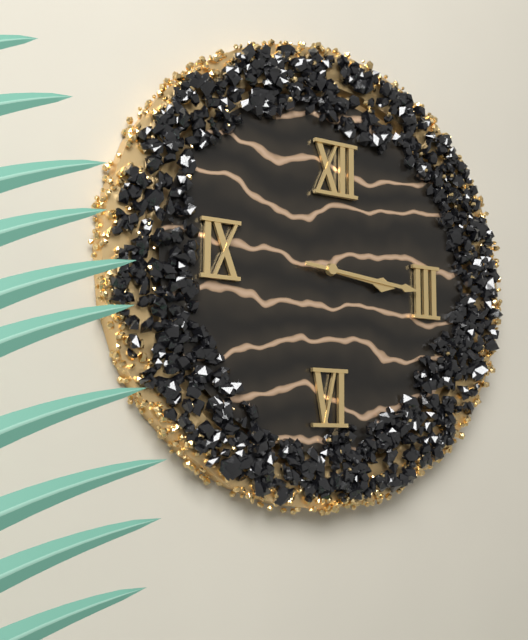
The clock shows **3:16**
